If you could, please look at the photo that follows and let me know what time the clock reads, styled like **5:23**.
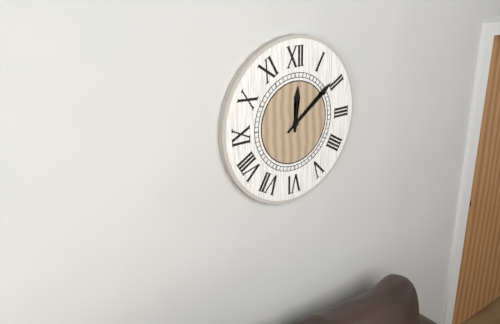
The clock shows **12:09**
